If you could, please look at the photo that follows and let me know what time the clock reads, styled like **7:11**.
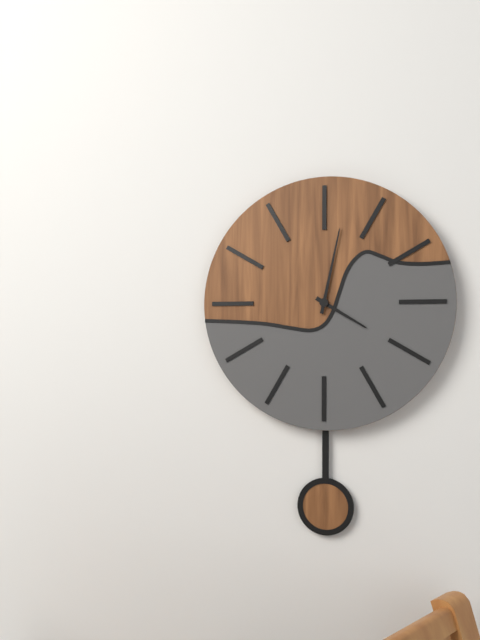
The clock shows **4:02**
